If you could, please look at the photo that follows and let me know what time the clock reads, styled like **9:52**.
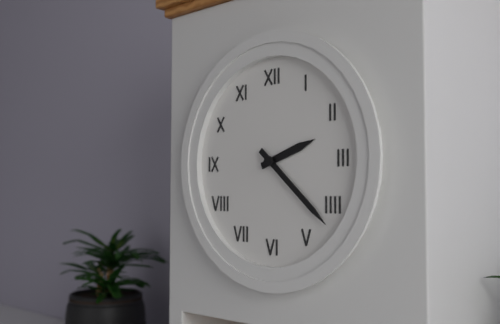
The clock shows **2:22**
